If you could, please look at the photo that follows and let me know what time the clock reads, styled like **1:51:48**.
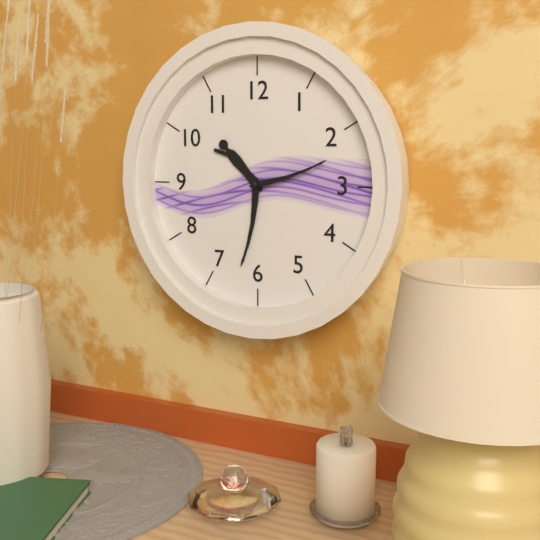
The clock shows **10:32:12**
